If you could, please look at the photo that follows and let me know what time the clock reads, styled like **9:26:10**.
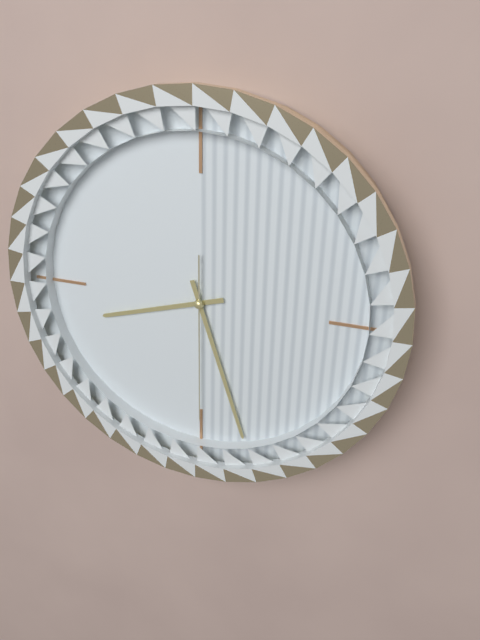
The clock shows **8:27:30**
